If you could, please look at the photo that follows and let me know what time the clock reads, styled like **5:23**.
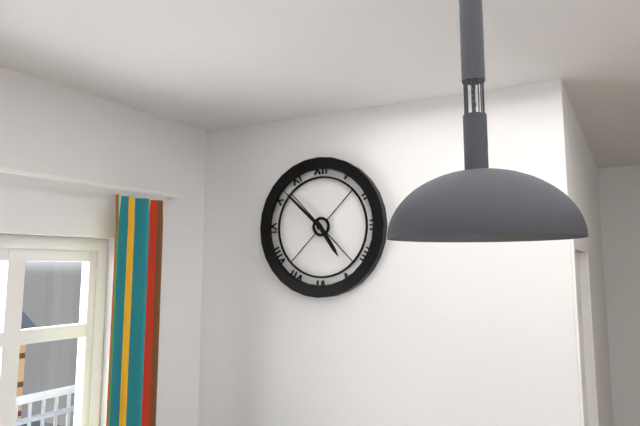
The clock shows **4:52**
